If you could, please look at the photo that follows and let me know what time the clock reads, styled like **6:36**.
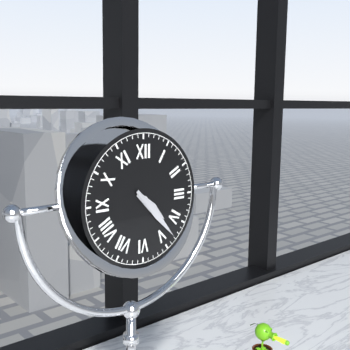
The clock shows **4:23**
